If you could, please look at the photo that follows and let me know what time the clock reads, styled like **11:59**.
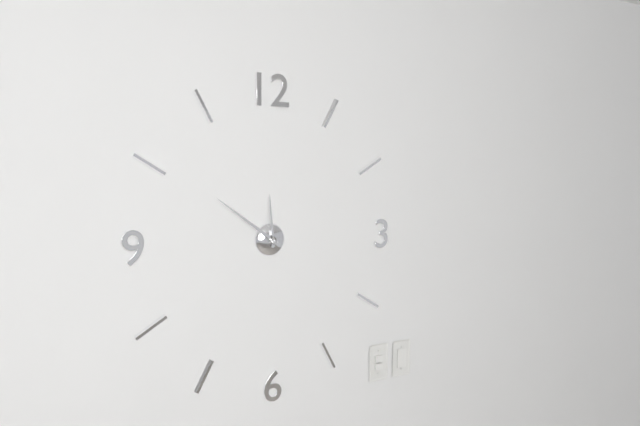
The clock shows **11:51**
